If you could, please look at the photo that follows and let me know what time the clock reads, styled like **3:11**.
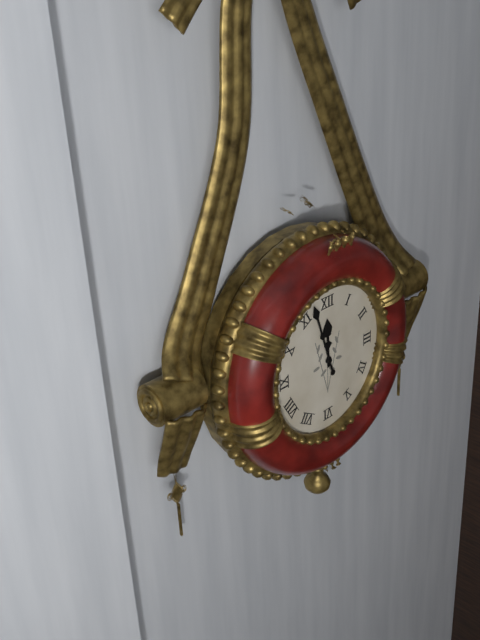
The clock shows **11:57**
